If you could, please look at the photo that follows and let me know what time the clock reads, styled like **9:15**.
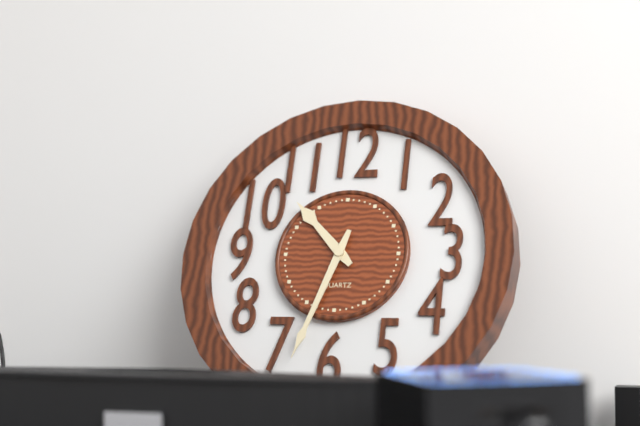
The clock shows **10:33**
